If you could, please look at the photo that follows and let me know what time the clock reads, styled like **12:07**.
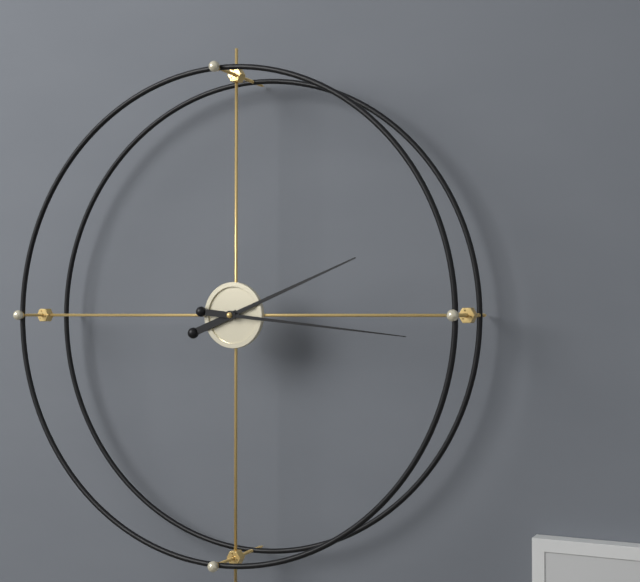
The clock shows **2:16**
